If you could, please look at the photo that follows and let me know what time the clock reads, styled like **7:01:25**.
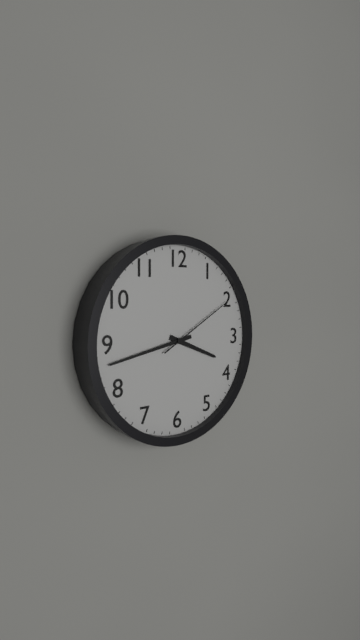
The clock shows **3:43:10**
